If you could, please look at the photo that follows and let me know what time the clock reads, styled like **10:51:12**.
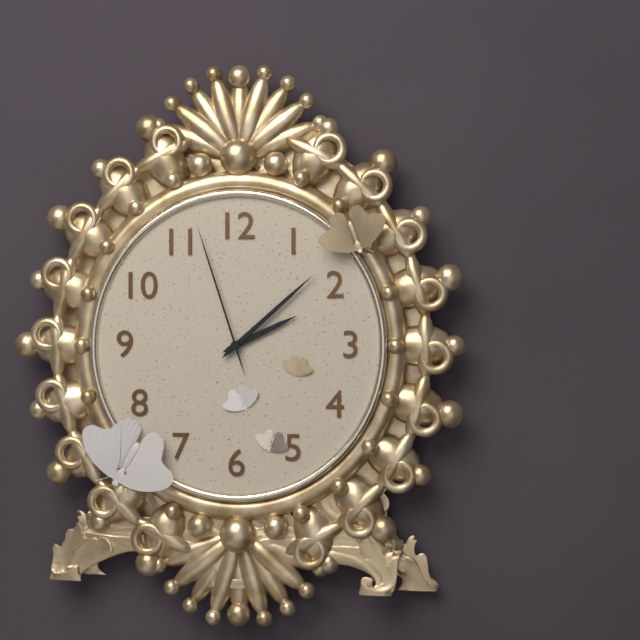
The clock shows **2:08:57**
